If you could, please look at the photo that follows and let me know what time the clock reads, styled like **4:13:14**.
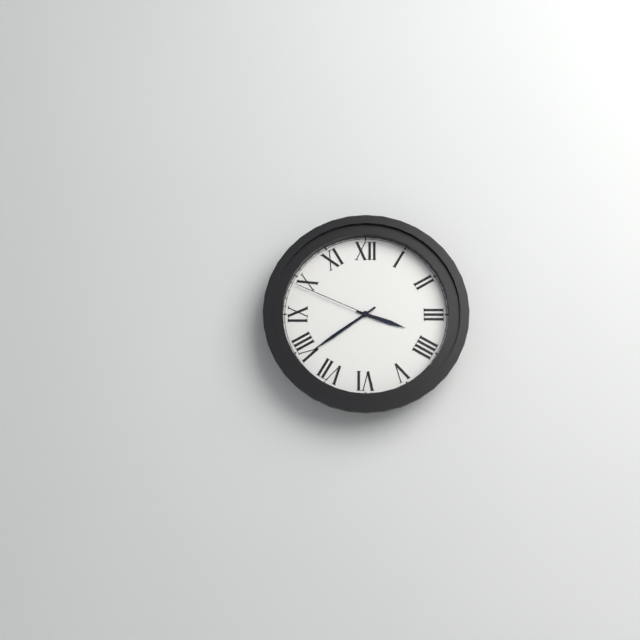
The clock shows **3:39:49**
